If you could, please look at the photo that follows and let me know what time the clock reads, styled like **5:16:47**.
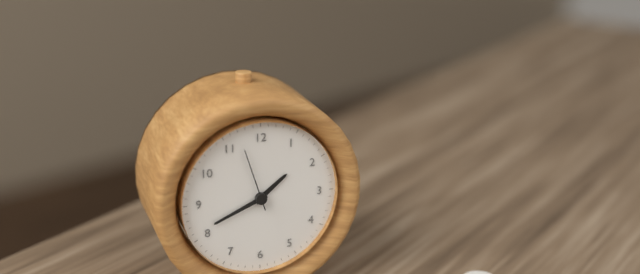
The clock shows **1:41:57**
